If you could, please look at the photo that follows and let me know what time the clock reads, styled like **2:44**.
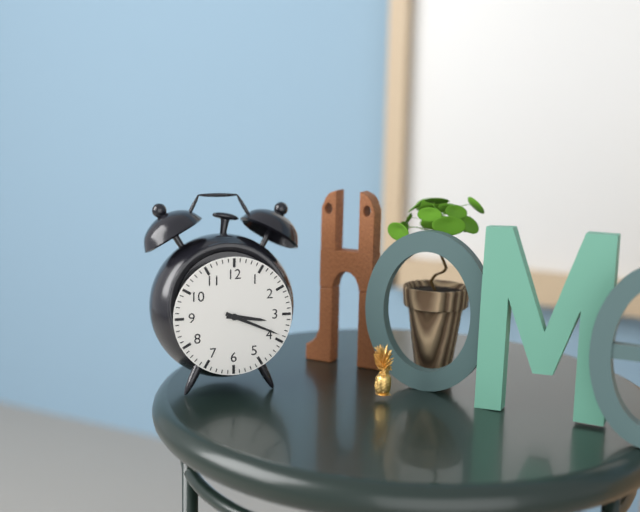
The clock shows **3:19**
